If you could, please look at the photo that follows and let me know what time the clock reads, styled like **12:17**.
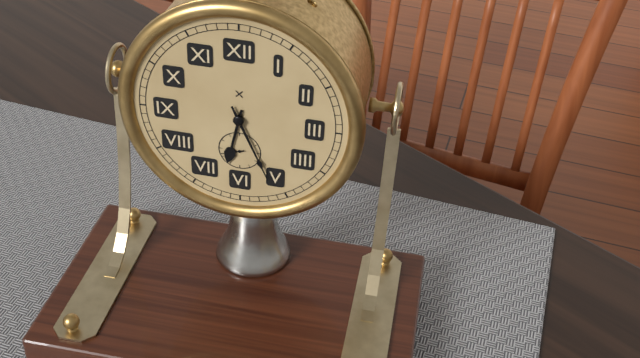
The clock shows **6:26**
